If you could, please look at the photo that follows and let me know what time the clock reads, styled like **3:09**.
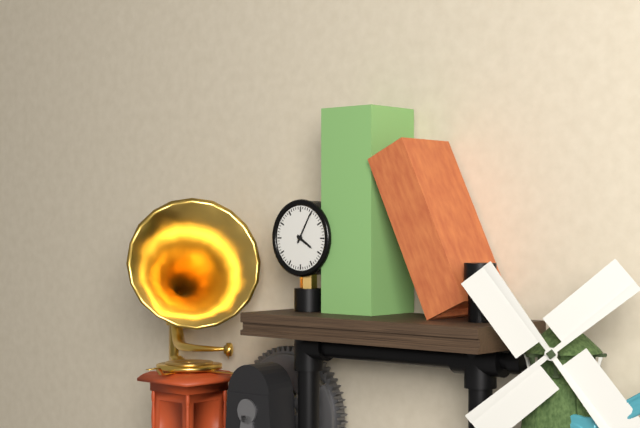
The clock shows **4:05**
